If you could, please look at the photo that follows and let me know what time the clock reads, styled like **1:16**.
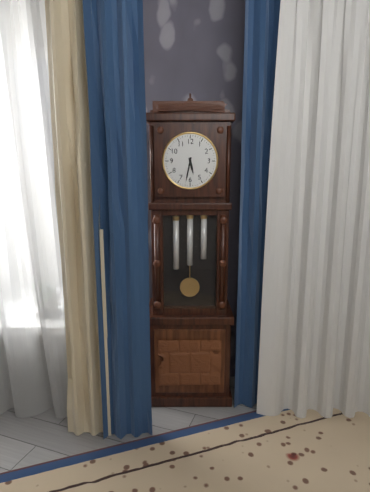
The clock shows **5:32**
